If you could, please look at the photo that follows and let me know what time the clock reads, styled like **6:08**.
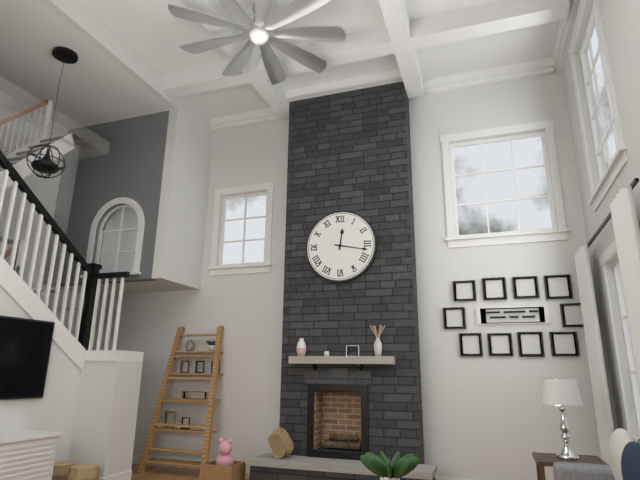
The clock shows **12:17**
